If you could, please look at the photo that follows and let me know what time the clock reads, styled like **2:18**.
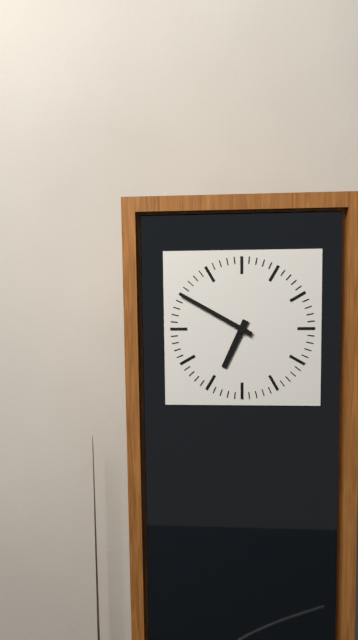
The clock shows **6:50**
